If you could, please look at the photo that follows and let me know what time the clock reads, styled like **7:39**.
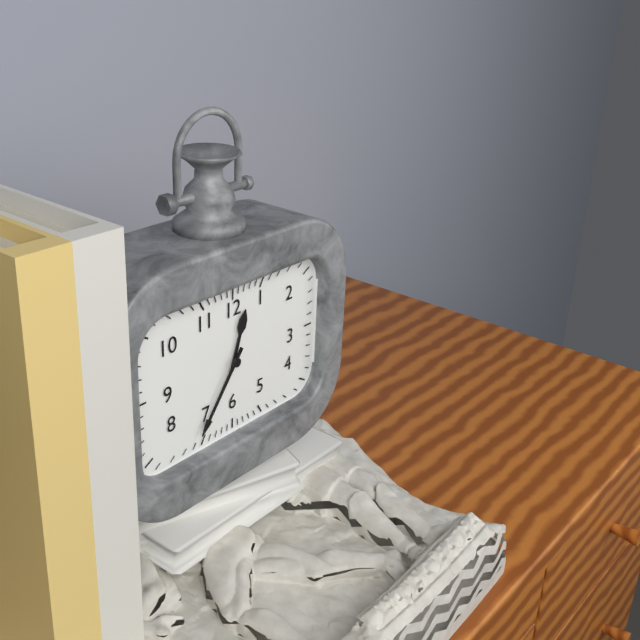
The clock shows **12:36**
